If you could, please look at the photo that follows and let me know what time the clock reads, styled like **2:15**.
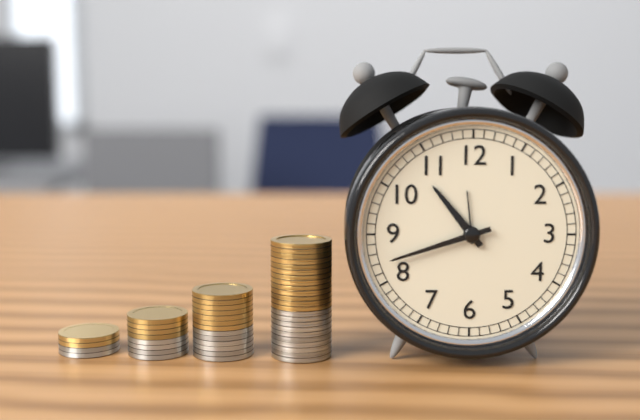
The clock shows **10:42**
